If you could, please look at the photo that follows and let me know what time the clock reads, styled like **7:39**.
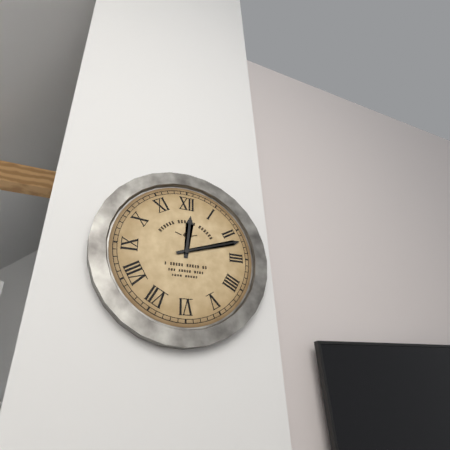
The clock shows **12:12**
